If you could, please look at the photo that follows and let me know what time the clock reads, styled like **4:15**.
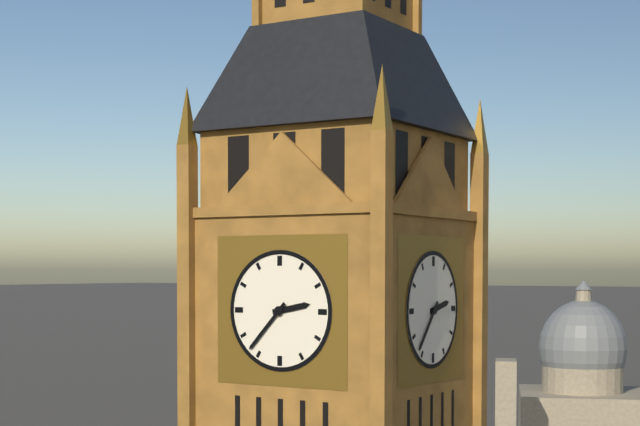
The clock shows **2:37**
